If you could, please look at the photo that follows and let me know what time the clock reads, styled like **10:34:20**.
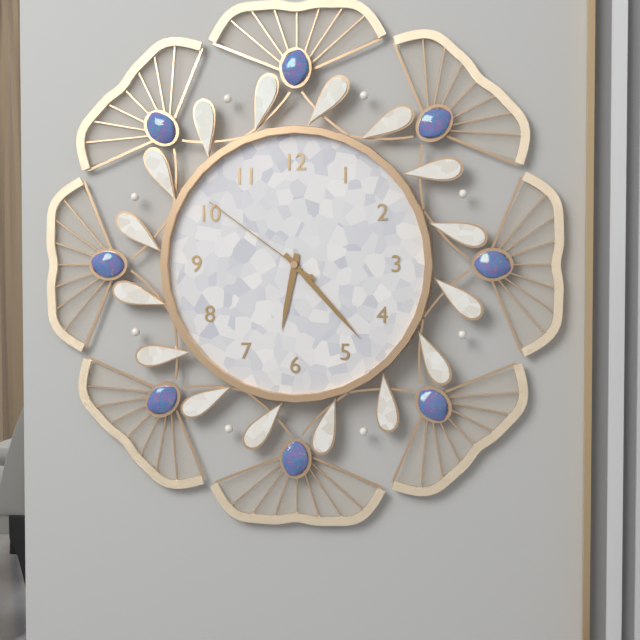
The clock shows **6:23:51**
